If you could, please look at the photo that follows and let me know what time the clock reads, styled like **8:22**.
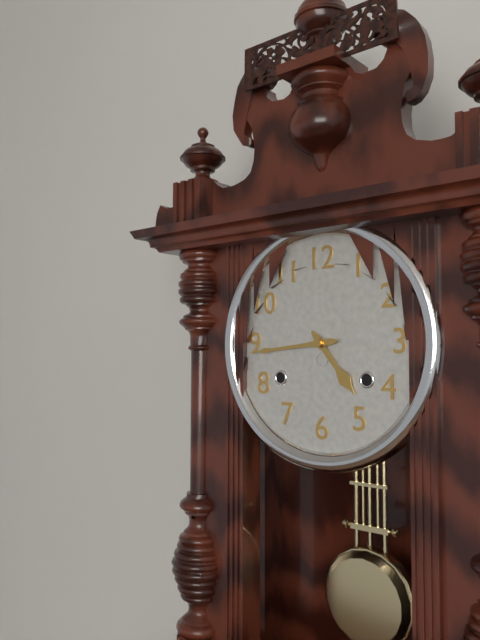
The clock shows **4:44**
